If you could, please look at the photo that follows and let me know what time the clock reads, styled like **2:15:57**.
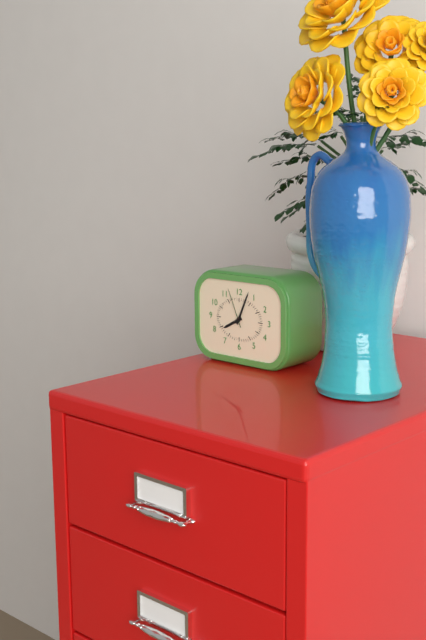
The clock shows **8:04:56**
